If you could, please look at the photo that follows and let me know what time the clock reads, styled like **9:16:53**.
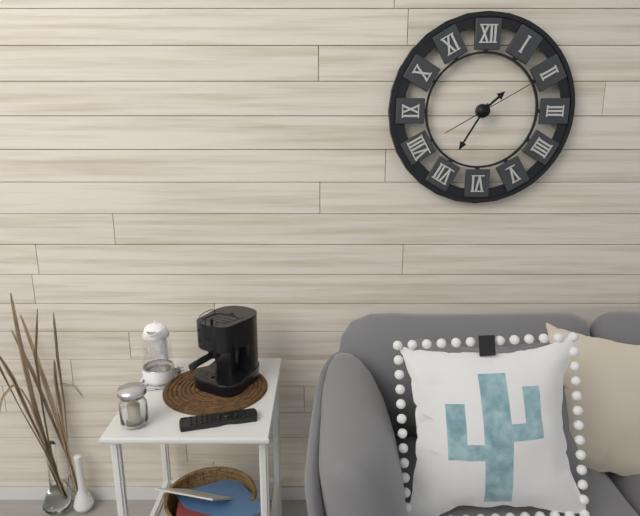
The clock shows **1:35:10**
